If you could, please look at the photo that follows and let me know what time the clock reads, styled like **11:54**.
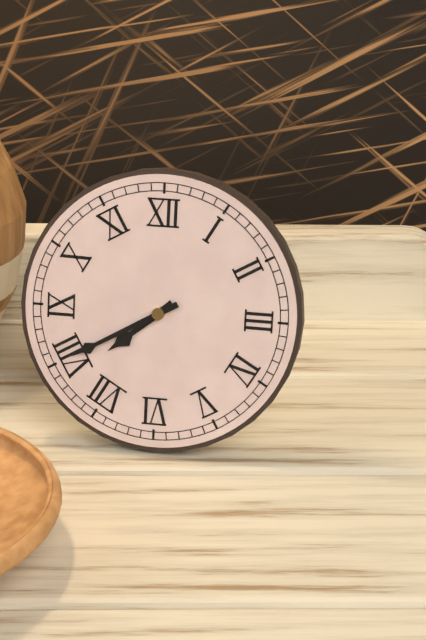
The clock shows **7:40**
